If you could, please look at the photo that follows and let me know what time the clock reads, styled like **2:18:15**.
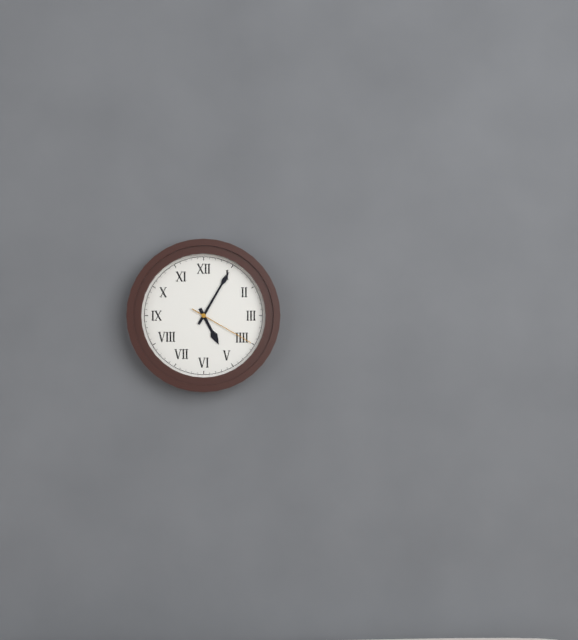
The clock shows **5:05:20**
